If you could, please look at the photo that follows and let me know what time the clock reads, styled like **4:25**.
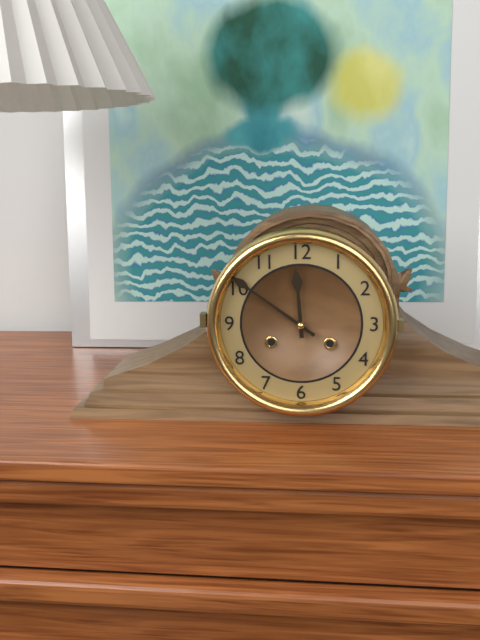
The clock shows **11:51**
